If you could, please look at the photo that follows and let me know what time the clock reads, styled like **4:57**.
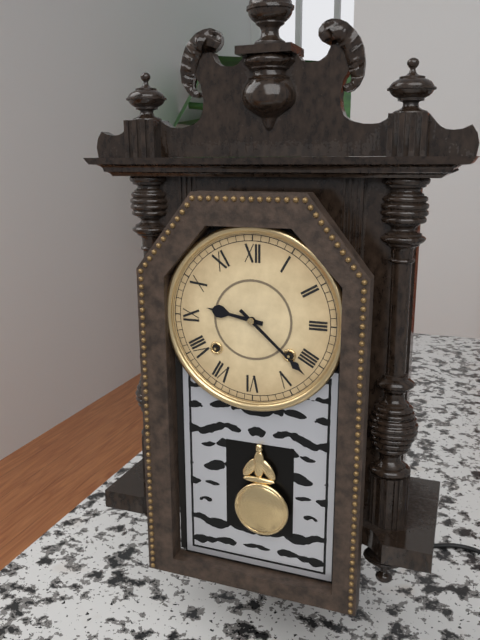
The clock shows **9:22**
